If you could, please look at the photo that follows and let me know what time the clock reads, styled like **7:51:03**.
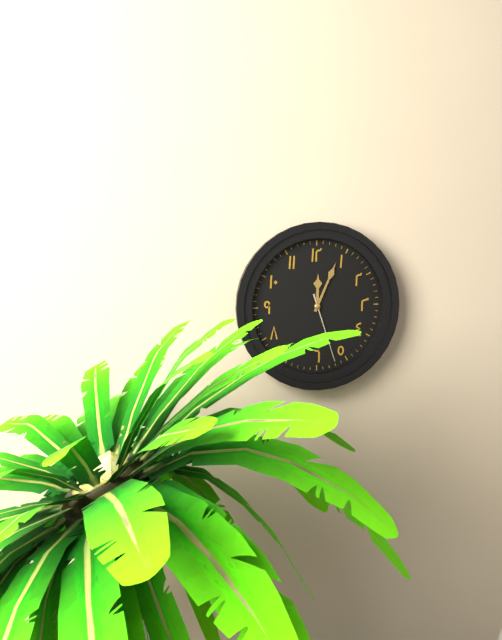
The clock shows **12:04:27**
